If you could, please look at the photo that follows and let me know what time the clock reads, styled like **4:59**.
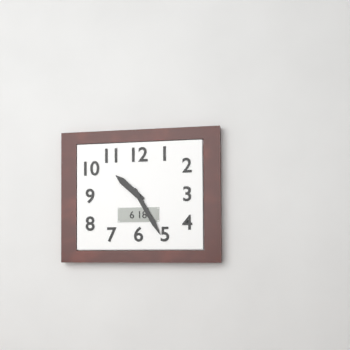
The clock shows **10:25**
